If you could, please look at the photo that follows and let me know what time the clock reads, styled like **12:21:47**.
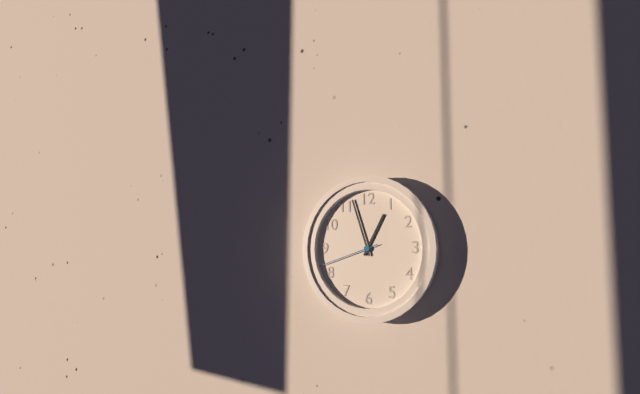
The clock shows **12:57:42**
